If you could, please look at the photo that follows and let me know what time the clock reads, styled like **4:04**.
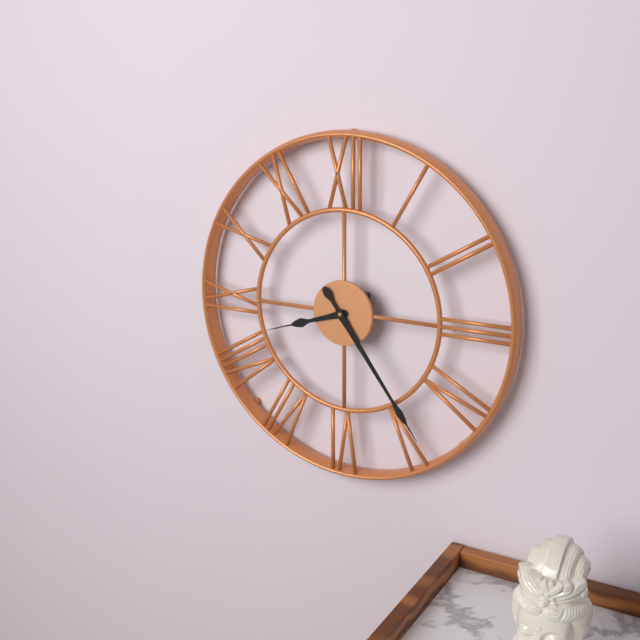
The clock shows **8:24**
